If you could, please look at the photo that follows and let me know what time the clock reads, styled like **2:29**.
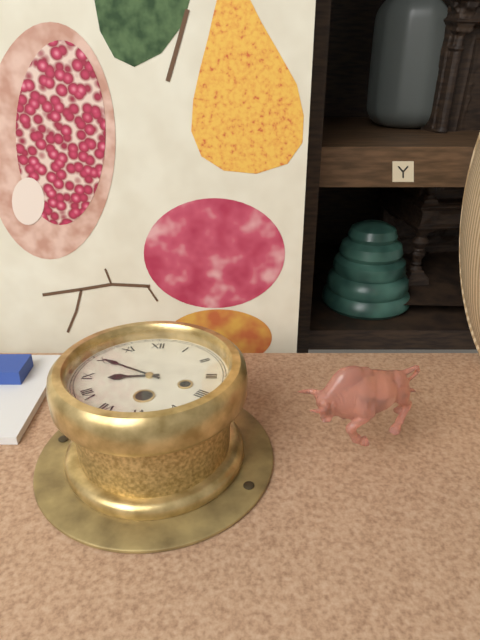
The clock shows **8:50**
